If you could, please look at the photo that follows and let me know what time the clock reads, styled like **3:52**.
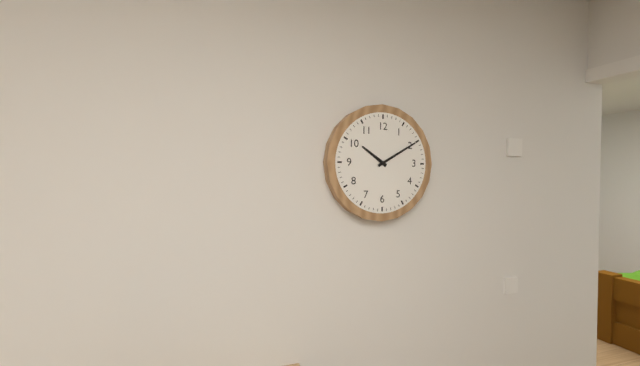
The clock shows **10:10**
